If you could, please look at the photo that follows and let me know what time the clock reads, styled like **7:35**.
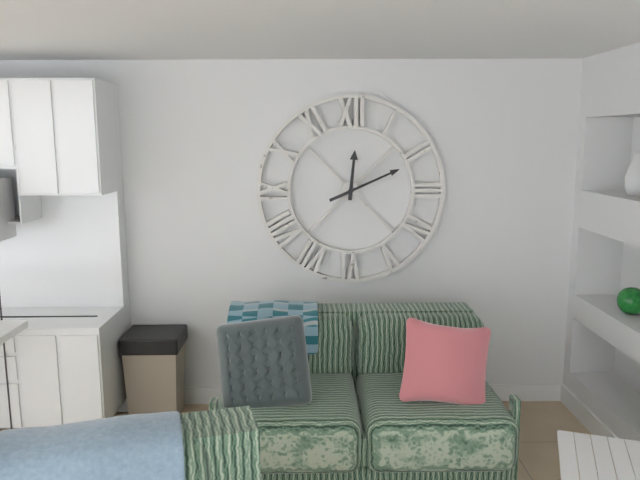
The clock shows **12:11**
